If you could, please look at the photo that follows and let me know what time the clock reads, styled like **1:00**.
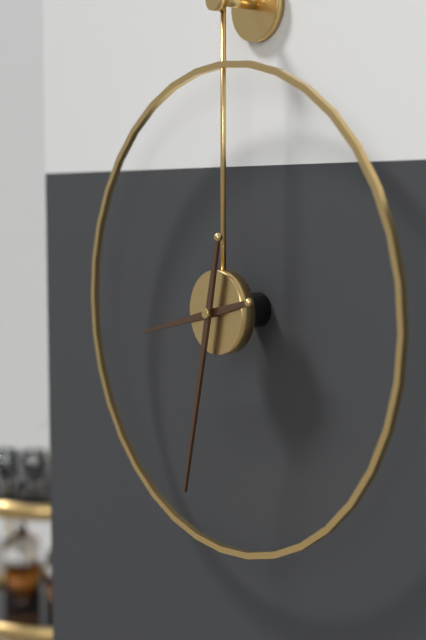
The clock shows **8:32**
